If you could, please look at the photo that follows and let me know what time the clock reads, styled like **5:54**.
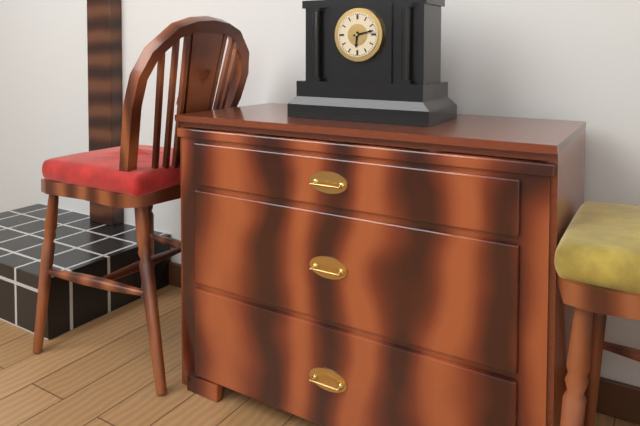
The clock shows **6:13**
